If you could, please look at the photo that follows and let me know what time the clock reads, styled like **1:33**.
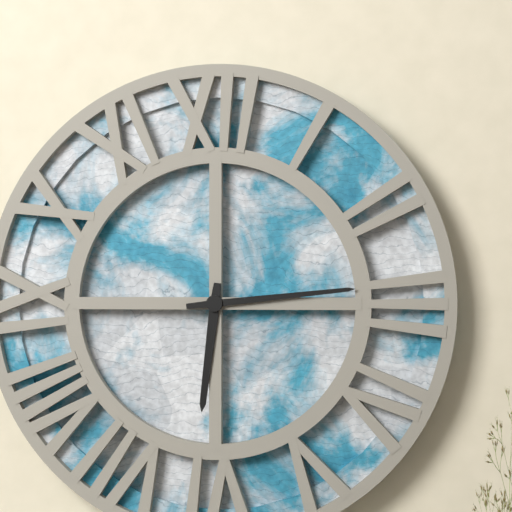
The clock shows **6:14**
